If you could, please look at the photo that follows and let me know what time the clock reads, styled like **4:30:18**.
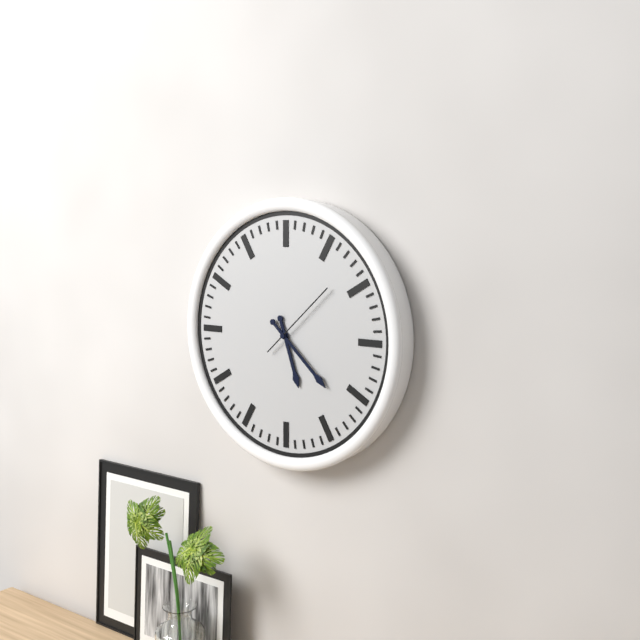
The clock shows **5:22:08**
